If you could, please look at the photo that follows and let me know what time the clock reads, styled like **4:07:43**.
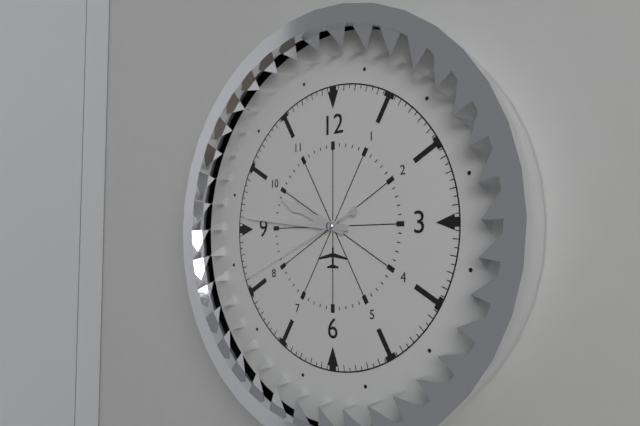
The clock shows **9:46:41**
